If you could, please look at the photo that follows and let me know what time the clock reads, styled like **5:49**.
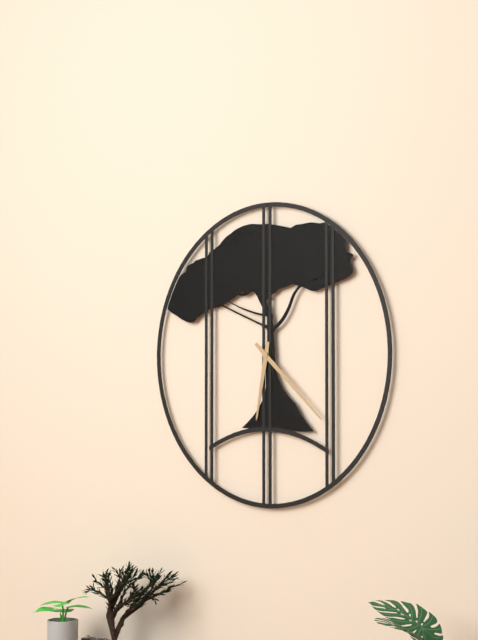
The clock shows **6:22**
